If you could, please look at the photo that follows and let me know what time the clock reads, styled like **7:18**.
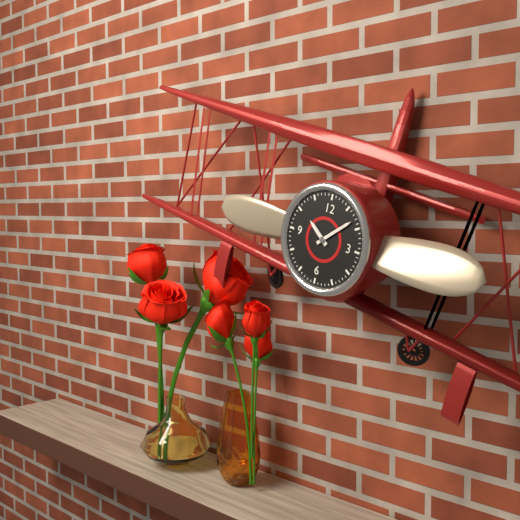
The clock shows **10:08**
